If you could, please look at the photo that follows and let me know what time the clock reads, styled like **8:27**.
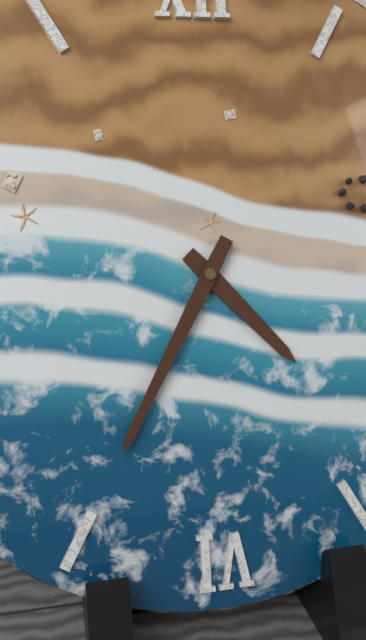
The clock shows **4:35**
